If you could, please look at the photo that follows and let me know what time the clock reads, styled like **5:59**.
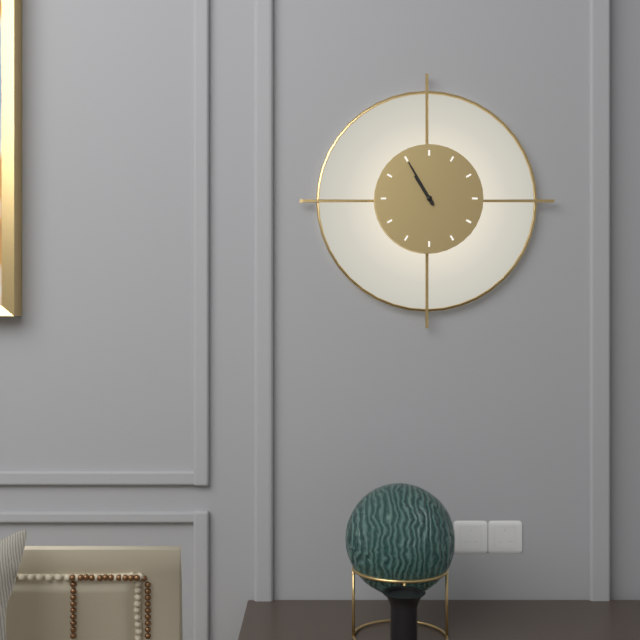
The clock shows **10:55**
